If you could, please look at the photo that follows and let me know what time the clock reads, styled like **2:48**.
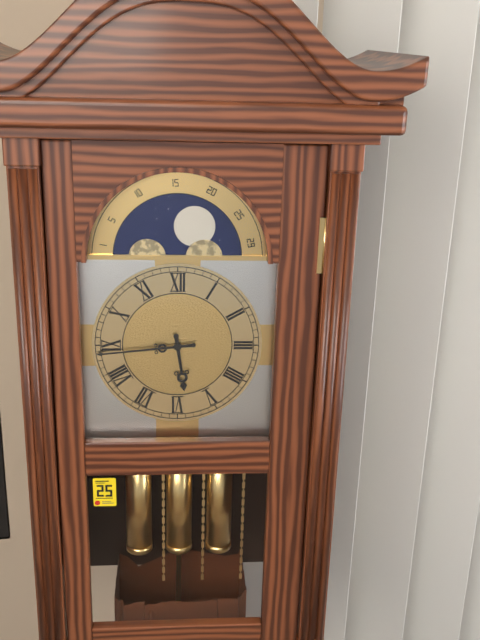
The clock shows **5:44**
